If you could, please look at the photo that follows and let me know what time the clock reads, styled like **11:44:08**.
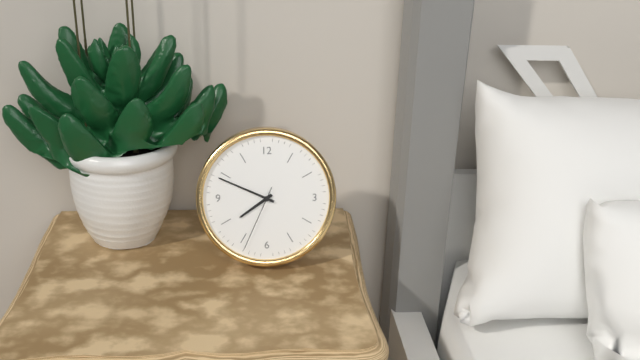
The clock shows **7:49:34**
